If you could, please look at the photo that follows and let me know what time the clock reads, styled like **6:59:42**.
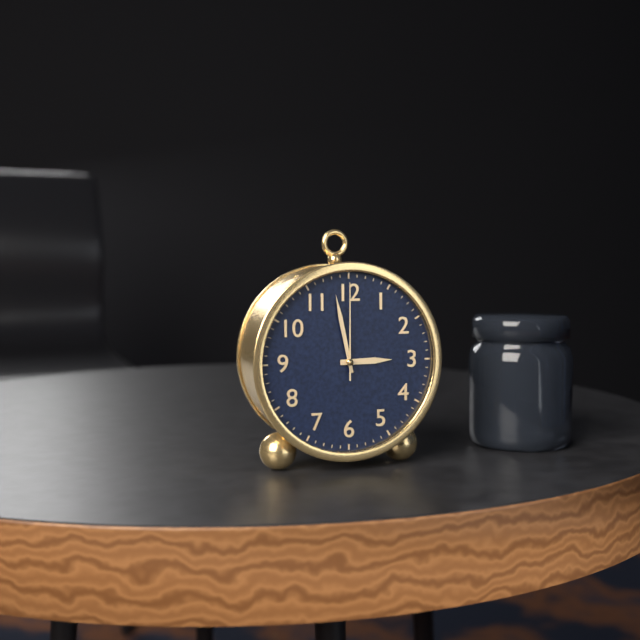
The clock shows **2:58:00**
